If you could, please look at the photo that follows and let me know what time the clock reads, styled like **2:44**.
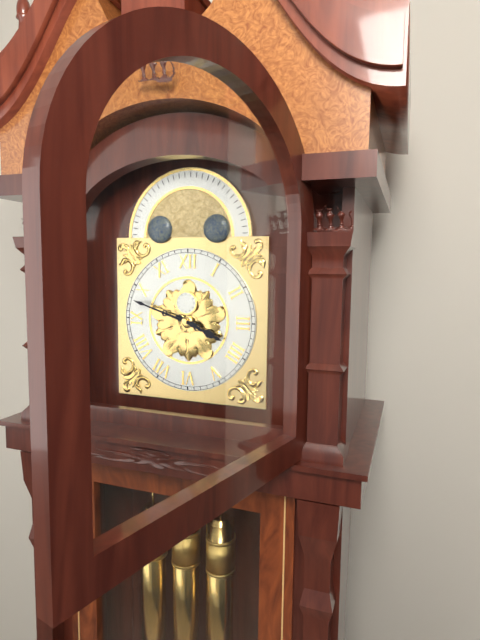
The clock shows **3:48**
